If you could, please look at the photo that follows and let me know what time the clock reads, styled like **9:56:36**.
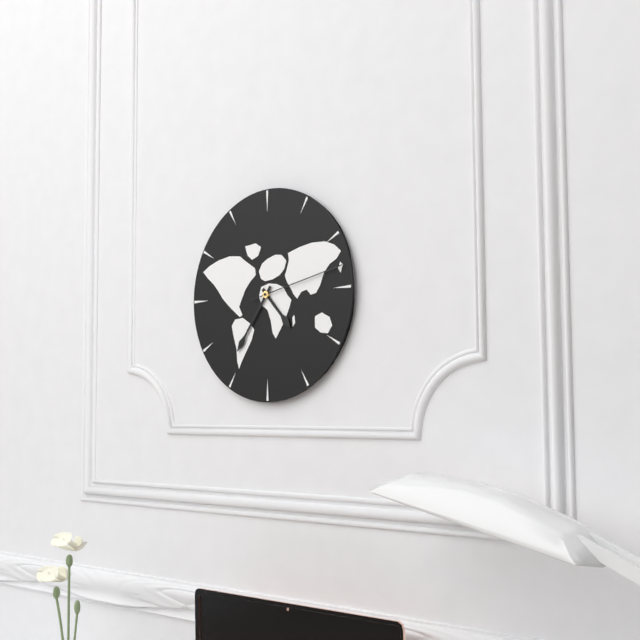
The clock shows **4:36:13**
